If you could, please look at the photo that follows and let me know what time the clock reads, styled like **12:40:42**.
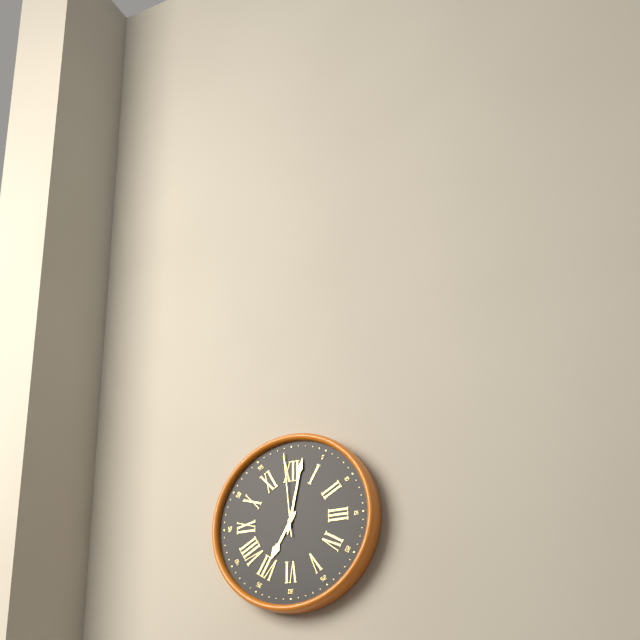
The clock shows **7:02:59**
